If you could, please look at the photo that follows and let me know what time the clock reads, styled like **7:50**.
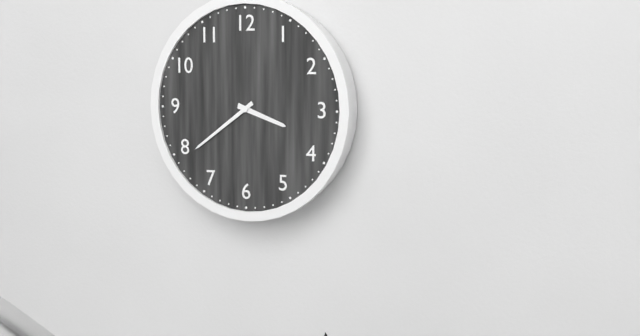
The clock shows **3:39**
